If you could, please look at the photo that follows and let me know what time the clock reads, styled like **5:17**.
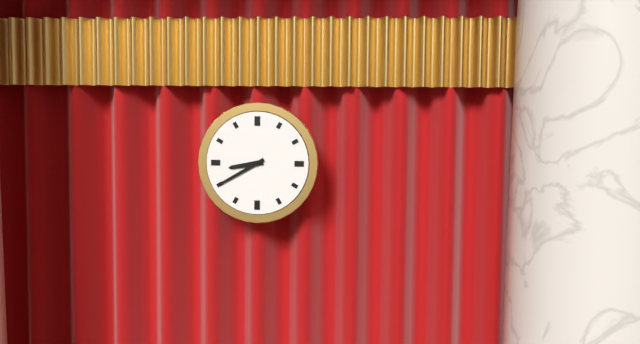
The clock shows **8:40**
